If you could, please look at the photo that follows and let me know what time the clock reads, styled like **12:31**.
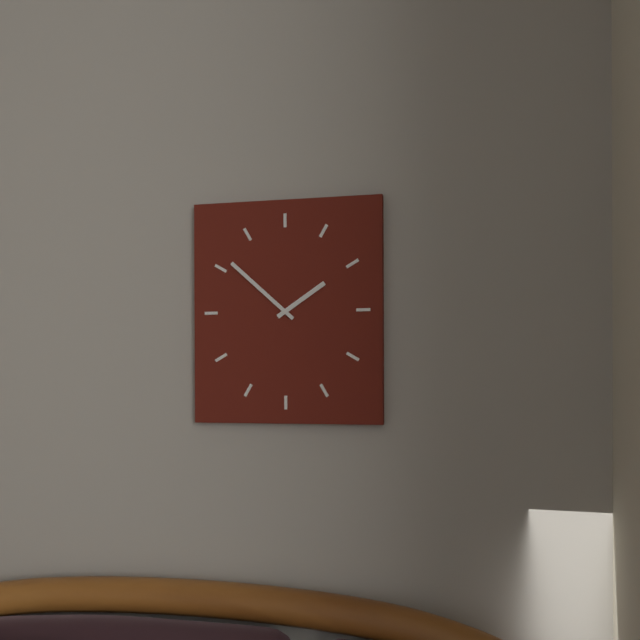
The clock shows **1:52**
